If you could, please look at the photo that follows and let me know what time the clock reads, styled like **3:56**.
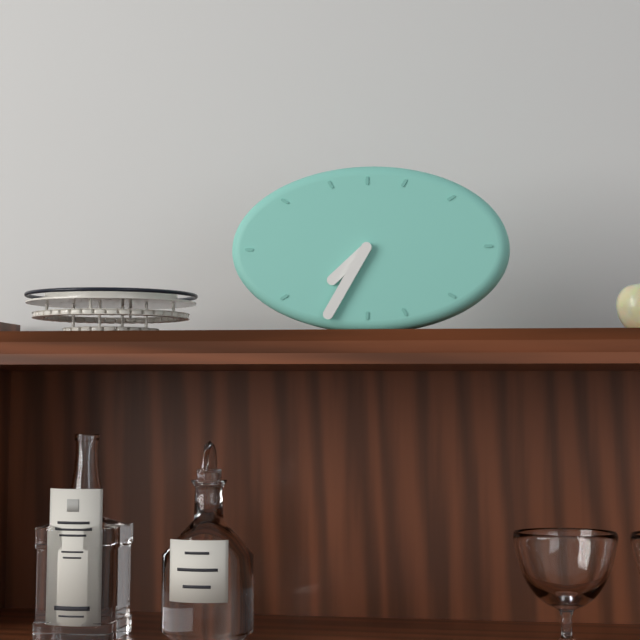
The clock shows **7:35**
